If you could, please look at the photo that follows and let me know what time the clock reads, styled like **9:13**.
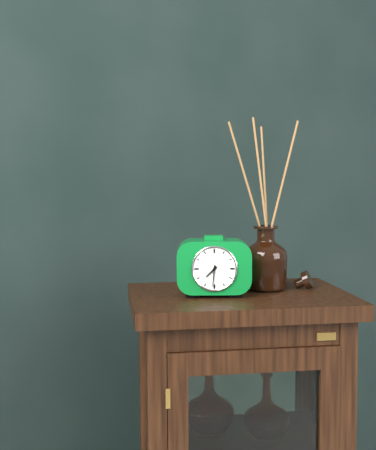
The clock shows **7:31**
